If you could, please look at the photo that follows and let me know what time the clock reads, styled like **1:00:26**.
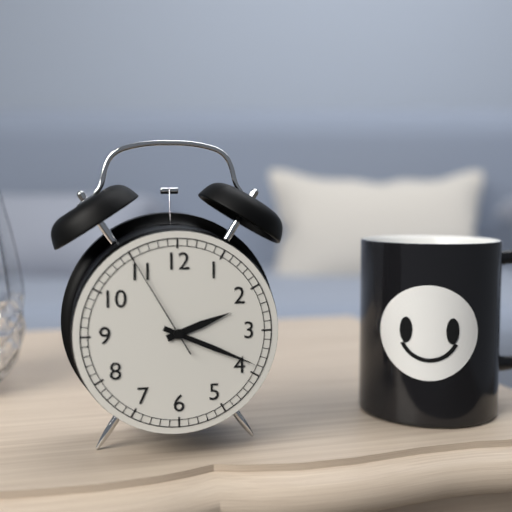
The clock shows **2:19:55**
